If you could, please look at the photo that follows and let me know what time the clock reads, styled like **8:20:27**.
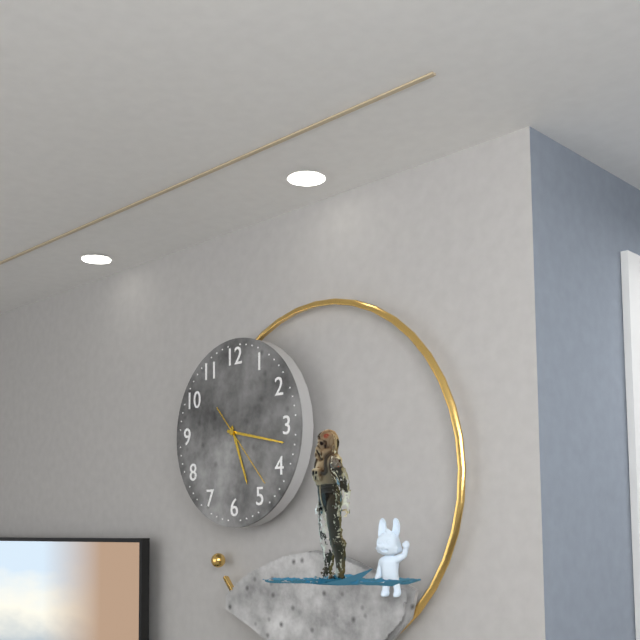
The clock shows **5:17:23**
